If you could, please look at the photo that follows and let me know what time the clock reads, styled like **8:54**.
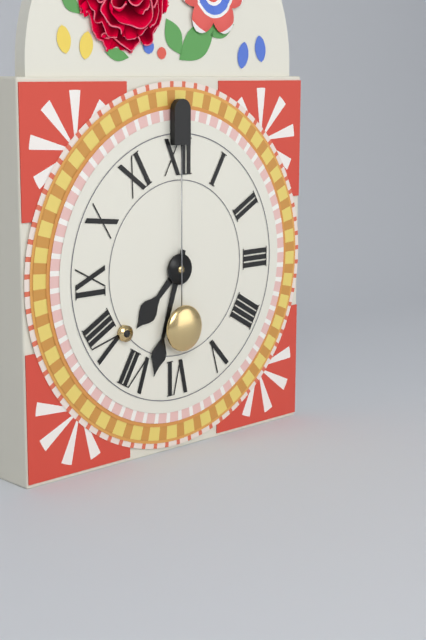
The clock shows **7:33**
